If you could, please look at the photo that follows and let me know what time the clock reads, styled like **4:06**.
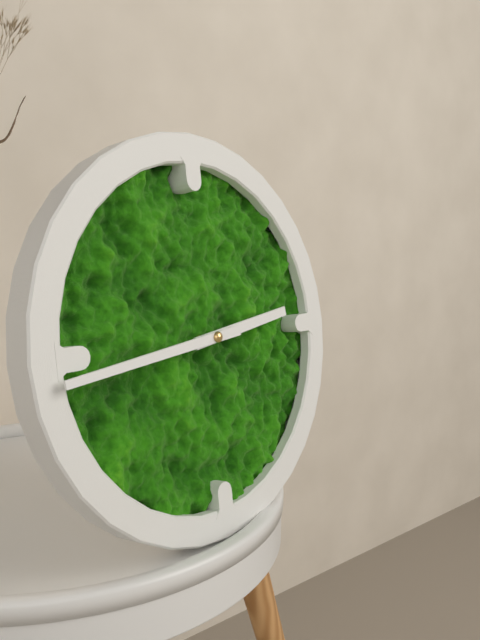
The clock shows **2:44**
